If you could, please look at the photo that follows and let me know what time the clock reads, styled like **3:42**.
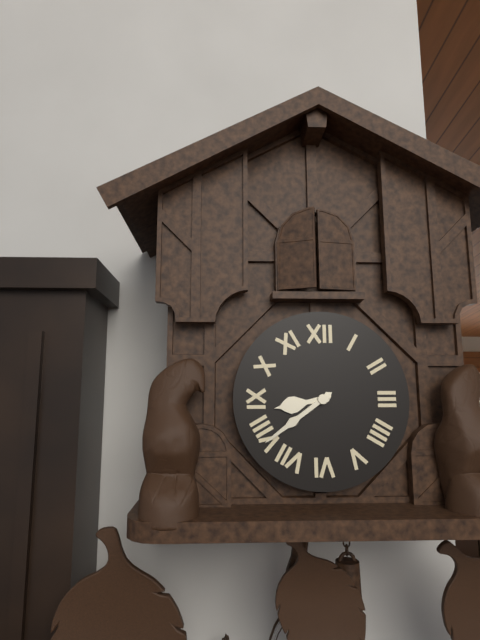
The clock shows **8:39**
